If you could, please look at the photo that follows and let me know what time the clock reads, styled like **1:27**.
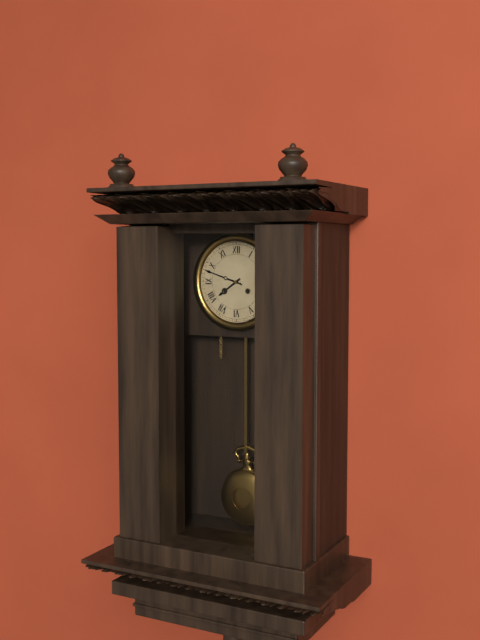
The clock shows **7:48**
